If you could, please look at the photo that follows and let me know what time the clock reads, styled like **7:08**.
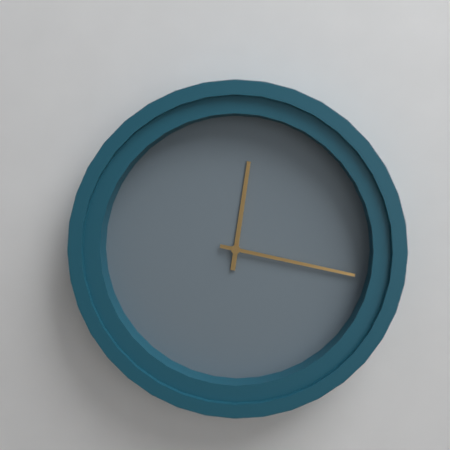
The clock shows **12:17**
